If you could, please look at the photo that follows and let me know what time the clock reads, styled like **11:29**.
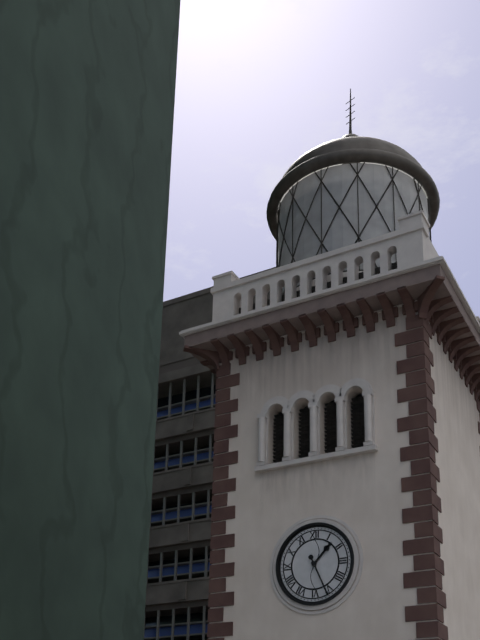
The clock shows **1:26**
